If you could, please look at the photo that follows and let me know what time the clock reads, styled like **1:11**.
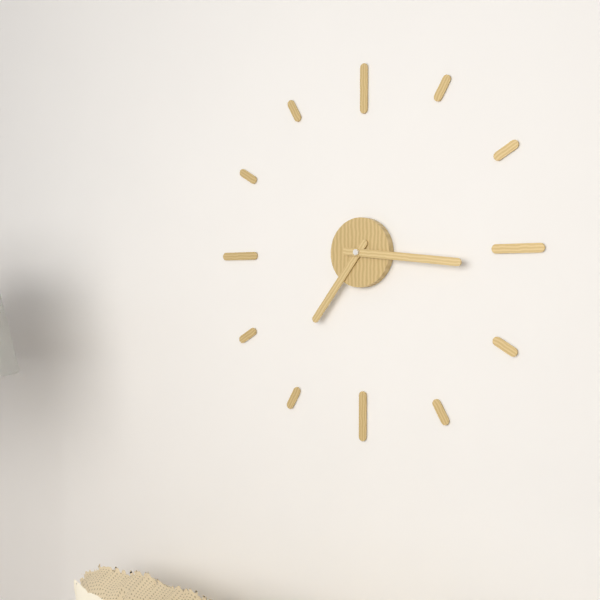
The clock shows **7:16**
